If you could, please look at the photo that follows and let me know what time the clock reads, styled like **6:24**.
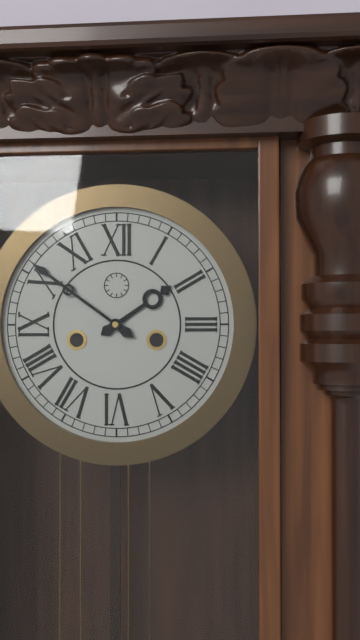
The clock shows **1:51**
